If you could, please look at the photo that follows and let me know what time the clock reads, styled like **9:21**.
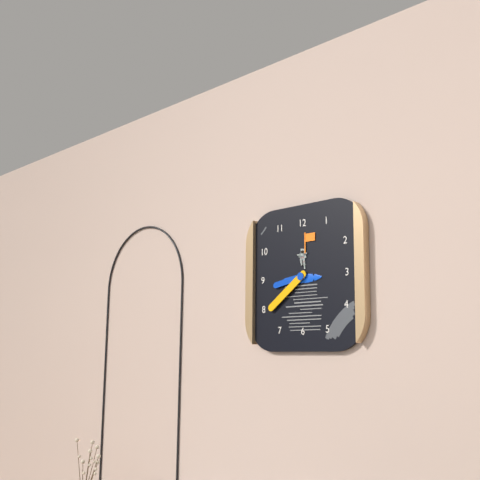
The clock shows **8:39**
